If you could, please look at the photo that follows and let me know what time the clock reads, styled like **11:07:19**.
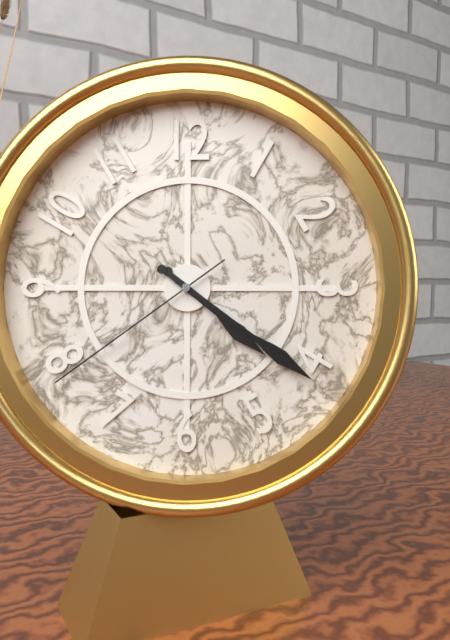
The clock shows **4:21:39**
